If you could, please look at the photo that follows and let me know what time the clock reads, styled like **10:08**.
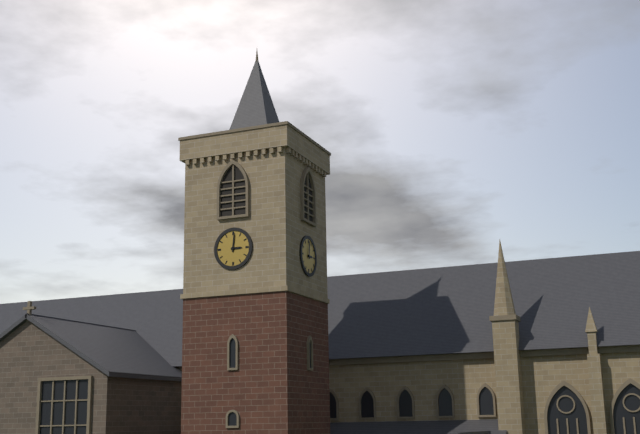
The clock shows **3:01**
